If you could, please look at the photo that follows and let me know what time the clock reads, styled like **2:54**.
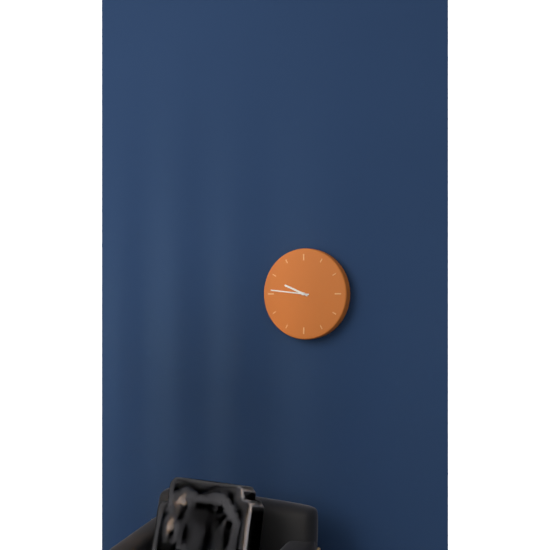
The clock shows **9:46**
